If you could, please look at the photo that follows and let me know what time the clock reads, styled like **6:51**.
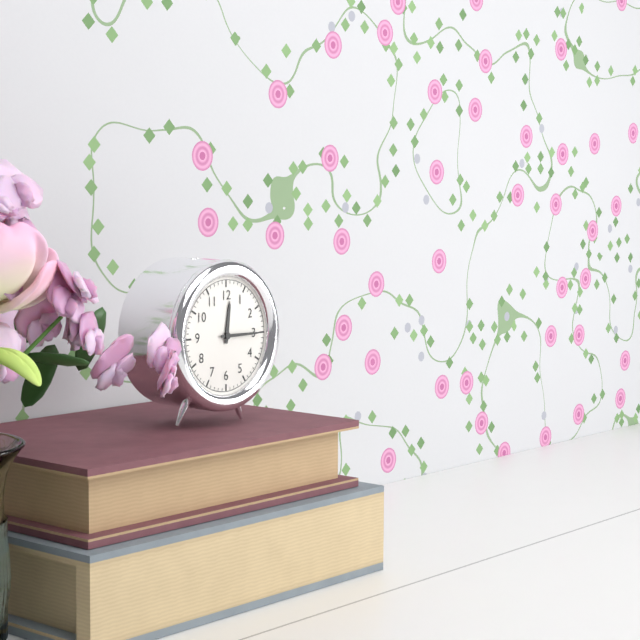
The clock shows **12:15**
